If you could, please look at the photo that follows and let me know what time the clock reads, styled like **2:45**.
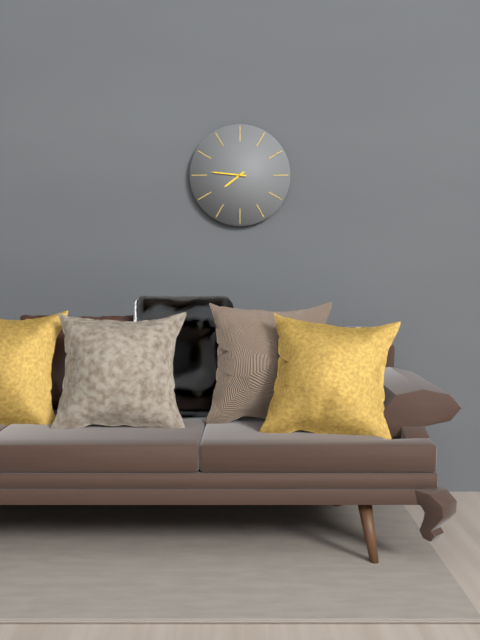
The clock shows **7:46**
